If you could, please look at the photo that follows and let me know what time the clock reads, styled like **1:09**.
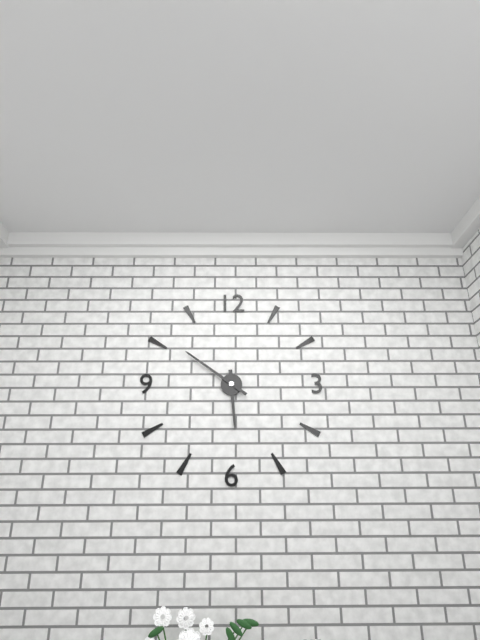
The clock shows **5:51**
